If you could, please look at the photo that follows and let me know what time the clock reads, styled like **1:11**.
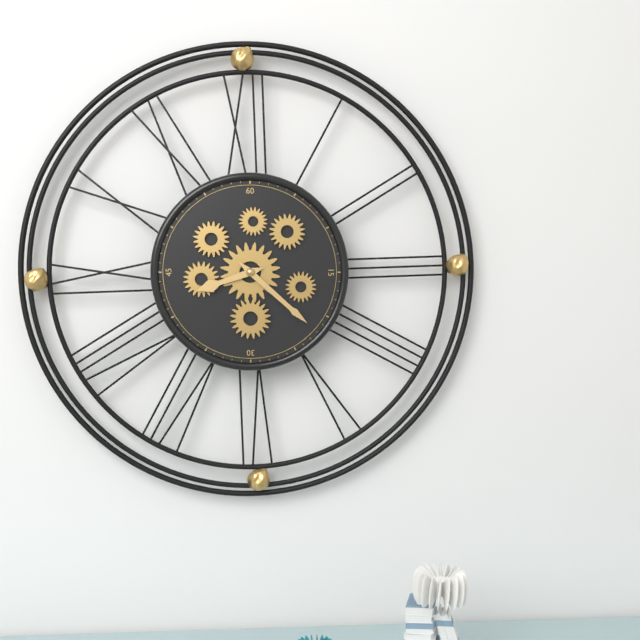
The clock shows **8:22**
